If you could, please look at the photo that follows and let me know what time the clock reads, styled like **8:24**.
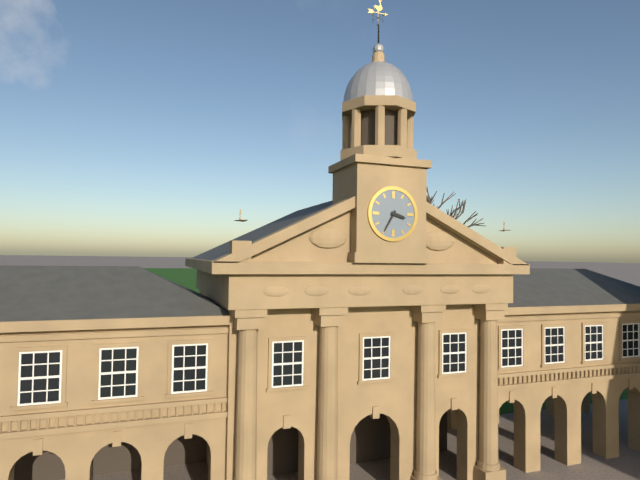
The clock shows **3:35**
